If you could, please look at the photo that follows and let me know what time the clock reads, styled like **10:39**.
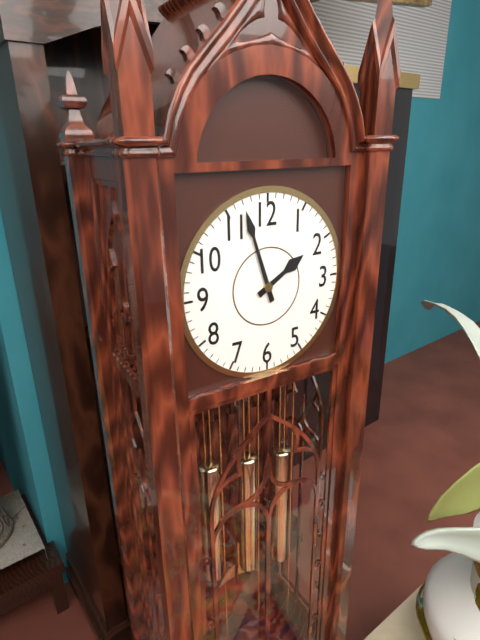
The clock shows **1:57**
